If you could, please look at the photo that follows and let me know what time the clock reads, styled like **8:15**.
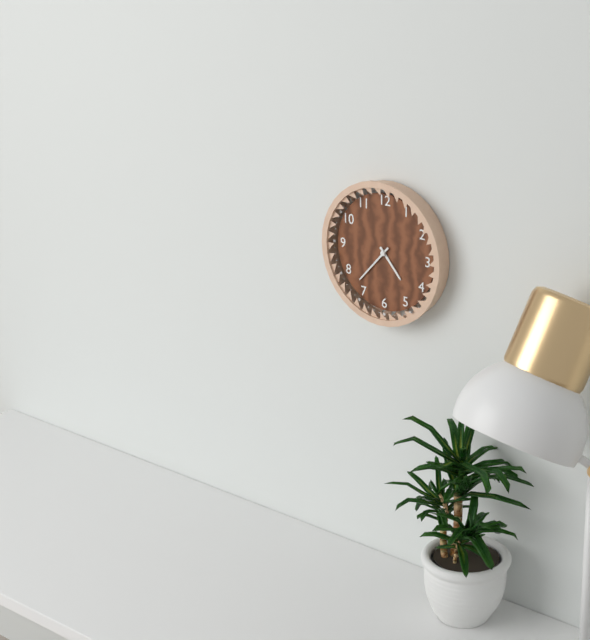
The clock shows **4:37**
